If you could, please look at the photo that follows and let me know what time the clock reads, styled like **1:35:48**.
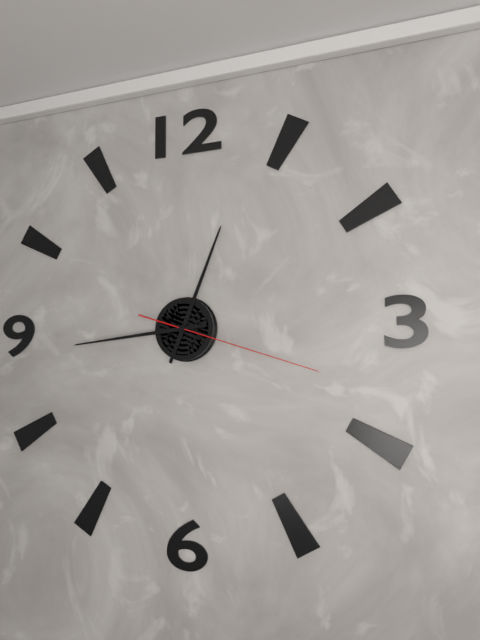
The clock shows **12:44:18**
